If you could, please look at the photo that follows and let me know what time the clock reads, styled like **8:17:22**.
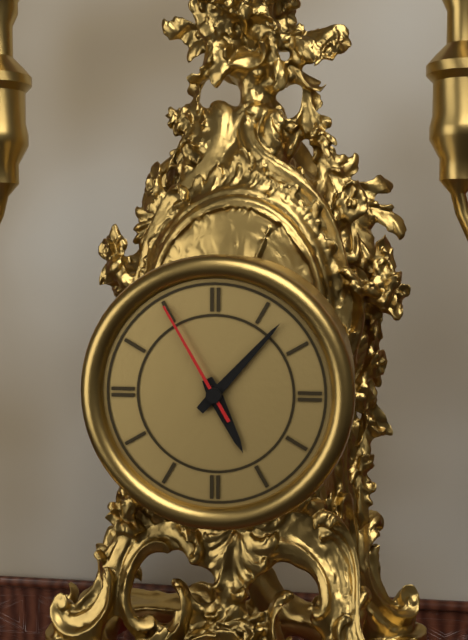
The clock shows **5:07:55**
